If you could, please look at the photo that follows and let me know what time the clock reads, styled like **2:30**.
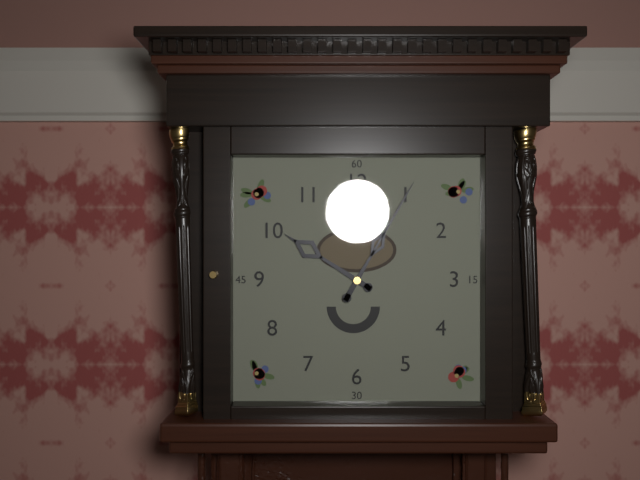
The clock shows **10:05**
